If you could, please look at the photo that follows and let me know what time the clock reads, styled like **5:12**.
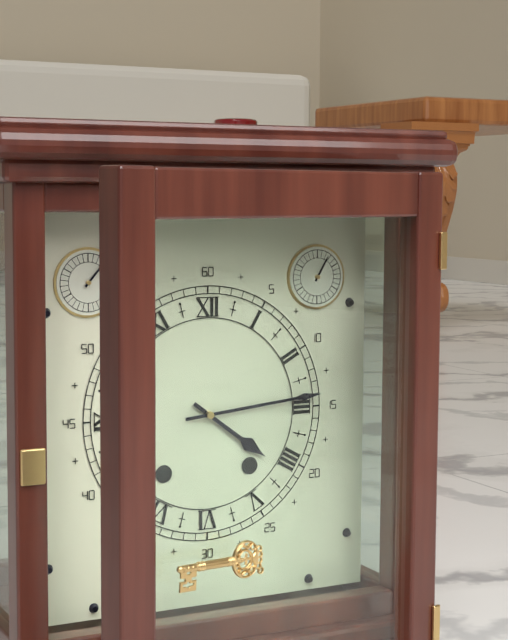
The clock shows **4:14**
